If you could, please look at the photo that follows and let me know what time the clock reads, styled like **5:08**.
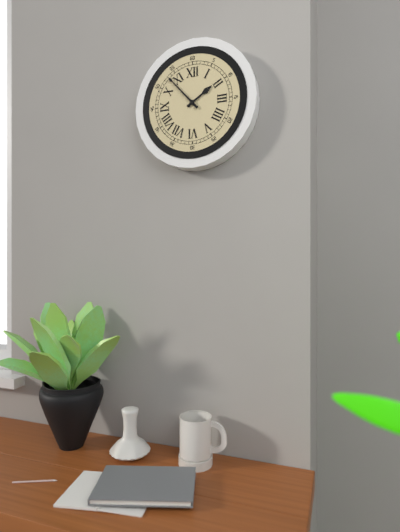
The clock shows **1:53**
